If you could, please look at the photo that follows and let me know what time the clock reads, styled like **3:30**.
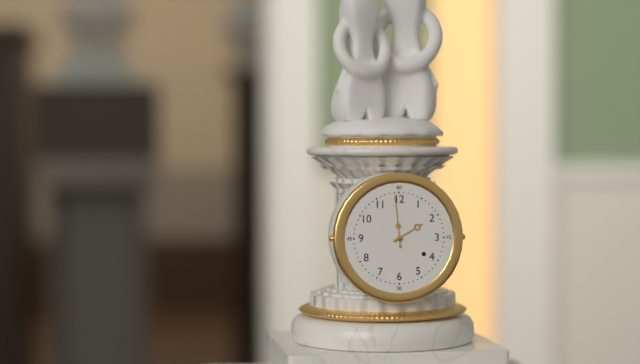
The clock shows **1:59**
